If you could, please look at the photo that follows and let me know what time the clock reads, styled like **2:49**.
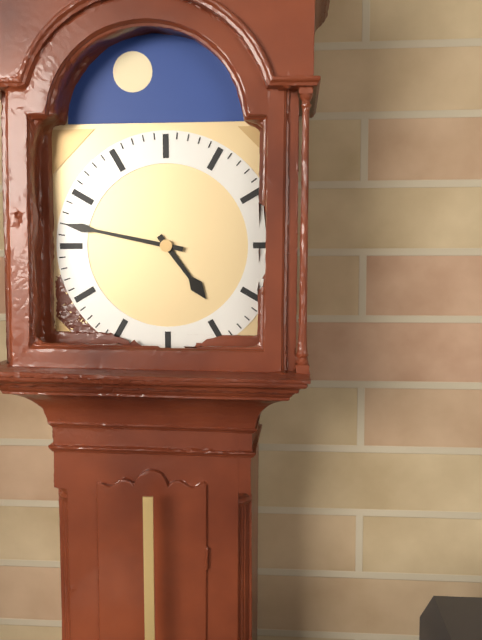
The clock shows **4:47**
